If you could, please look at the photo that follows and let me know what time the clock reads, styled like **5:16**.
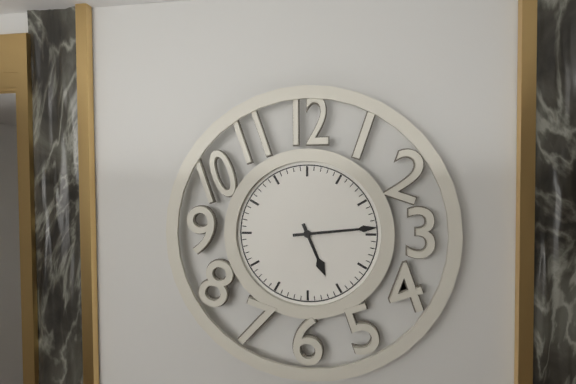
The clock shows **5:14**
